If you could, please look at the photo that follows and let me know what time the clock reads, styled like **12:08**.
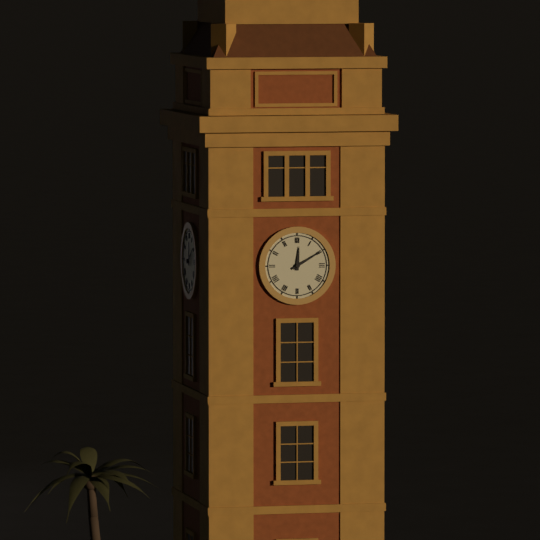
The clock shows **12:10**
